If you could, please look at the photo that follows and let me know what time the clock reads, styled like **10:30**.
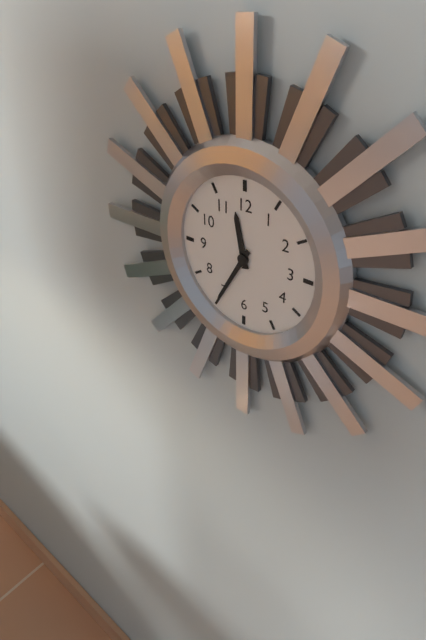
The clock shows **11:35**
